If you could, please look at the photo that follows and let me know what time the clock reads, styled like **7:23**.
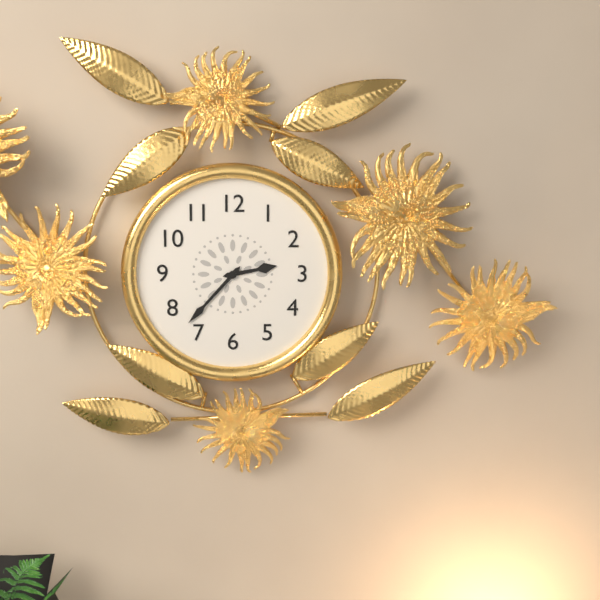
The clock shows **2:37**
